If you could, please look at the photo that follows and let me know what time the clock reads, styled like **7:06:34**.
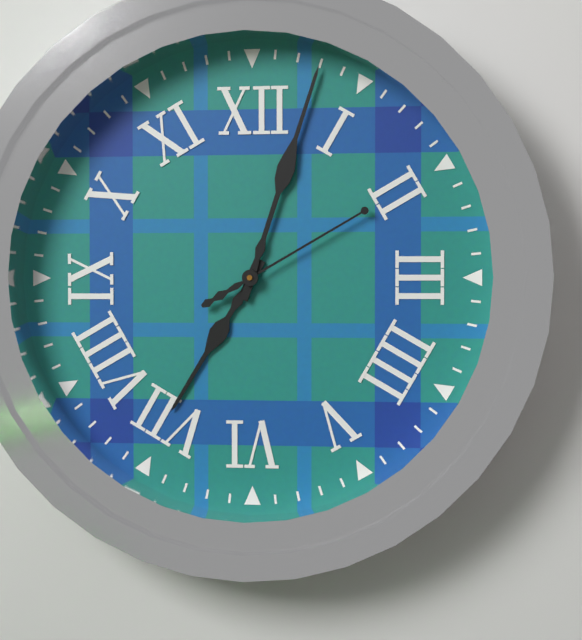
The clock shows **7:03:10**
